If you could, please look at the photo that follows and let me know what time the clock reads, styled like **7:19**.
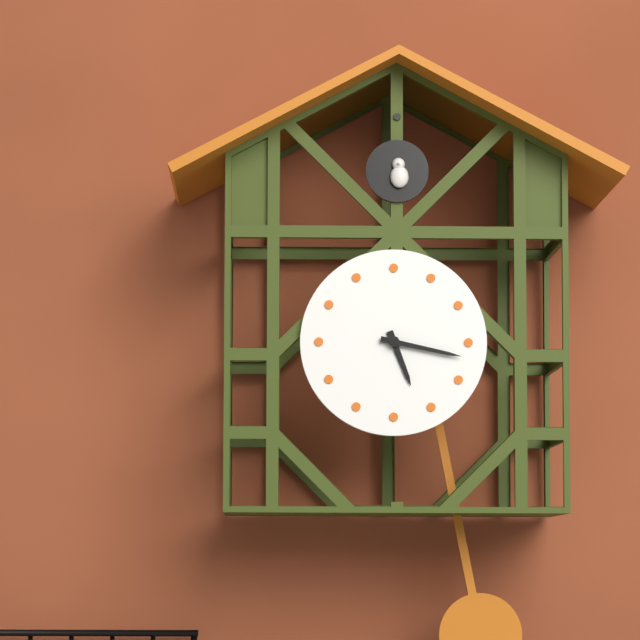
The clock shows **5:17**
